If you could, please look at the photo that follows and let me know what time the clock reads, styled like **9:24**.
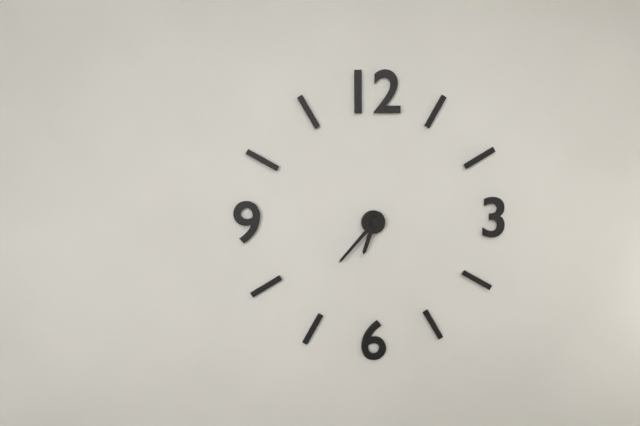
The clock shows **6:37**
